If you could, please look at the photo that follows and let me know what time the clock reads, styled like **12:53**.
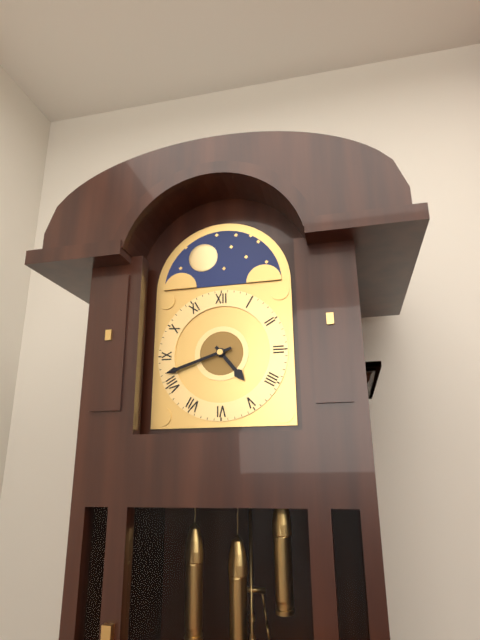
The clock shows **4:42**
